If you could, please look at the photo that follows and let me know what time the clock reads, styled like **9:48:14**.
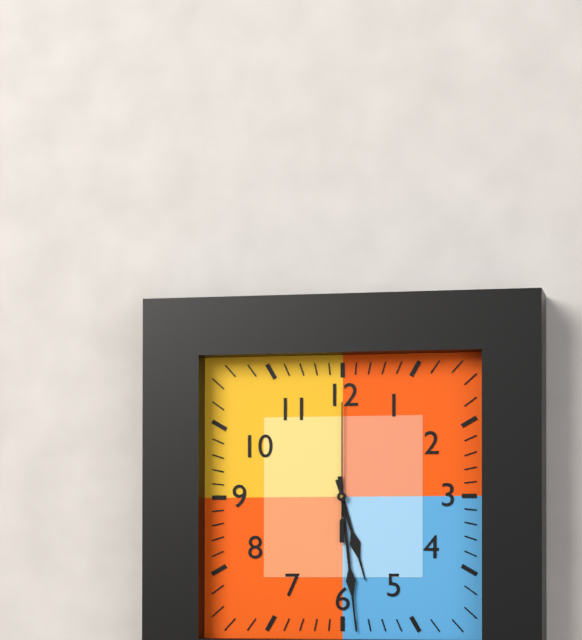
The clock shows **5:29:00**
